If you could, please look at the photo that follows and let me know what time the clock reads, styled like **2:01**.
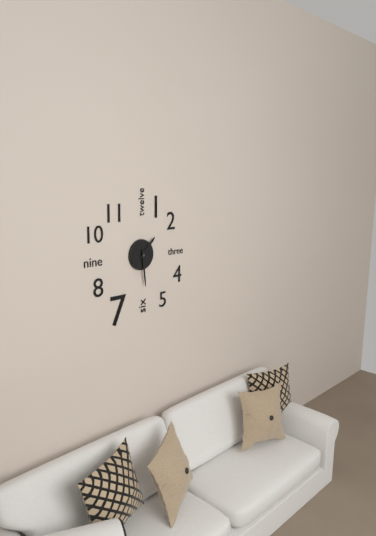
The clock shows **1:29**
